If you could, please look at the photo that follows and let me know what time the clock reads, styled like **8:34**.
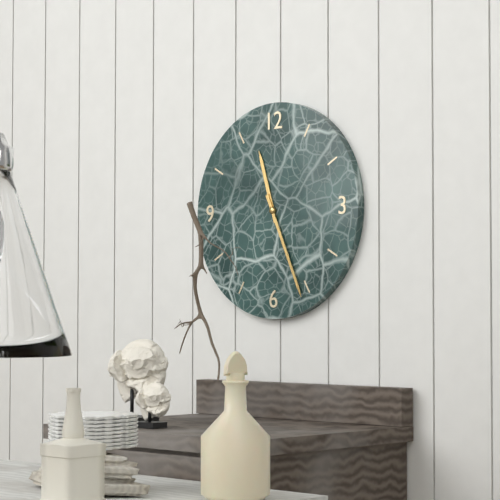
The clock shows **11:26**
